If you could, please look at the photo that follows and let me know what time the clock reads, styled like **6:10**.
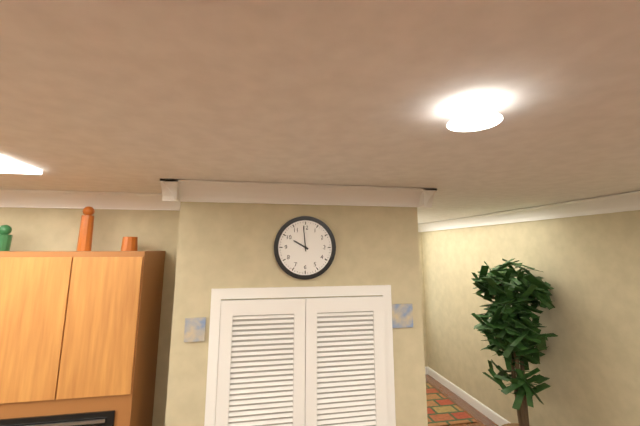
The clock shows **9:59**
